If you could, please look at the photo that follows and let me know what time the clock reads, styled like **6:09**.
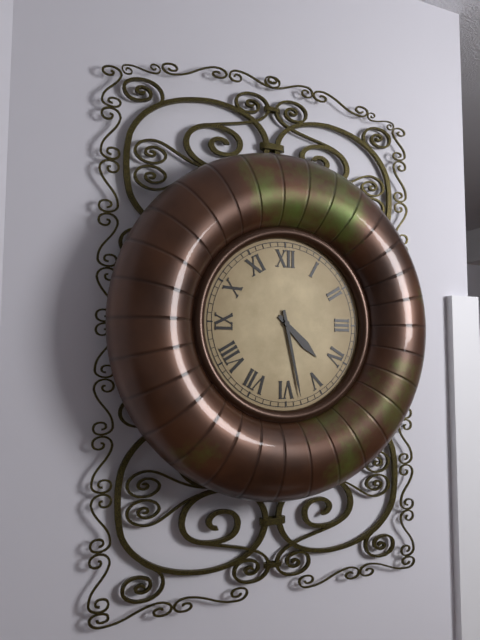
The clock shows **4:28**
